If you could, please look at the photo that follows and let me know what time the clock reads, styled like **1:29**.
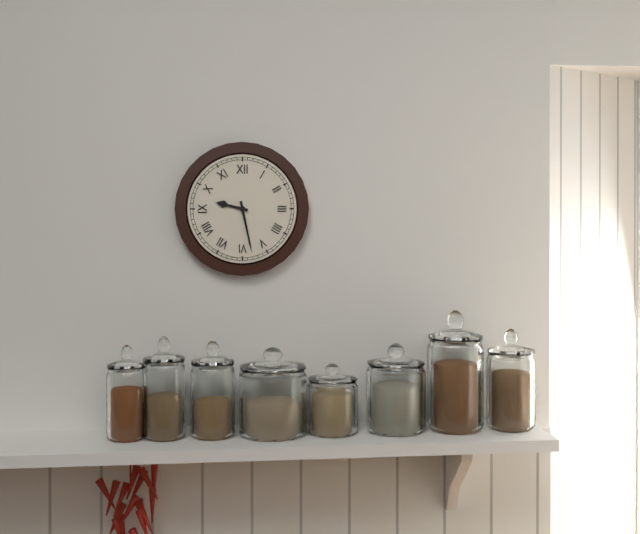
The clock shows **9:28**
